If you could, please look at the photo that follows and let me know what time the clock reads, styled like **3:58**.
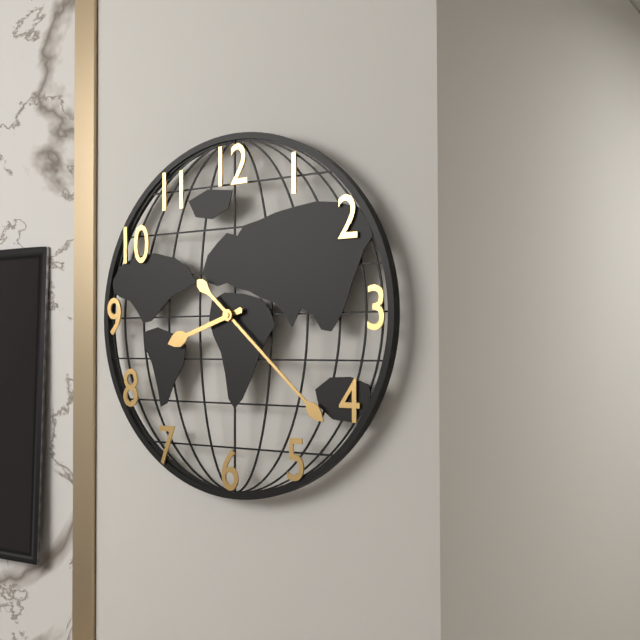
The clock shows **8:22**
